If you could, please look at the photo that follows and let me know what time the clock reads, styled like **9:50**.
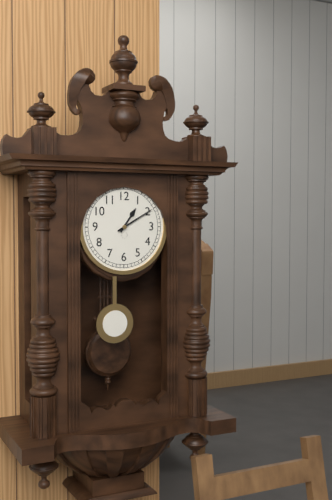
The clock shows **1:10**
